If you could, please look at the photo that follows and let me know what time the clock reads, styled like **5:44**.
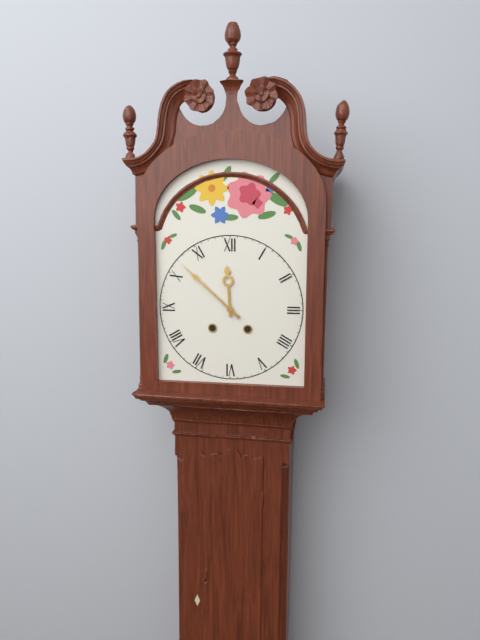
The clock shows **11:52**
